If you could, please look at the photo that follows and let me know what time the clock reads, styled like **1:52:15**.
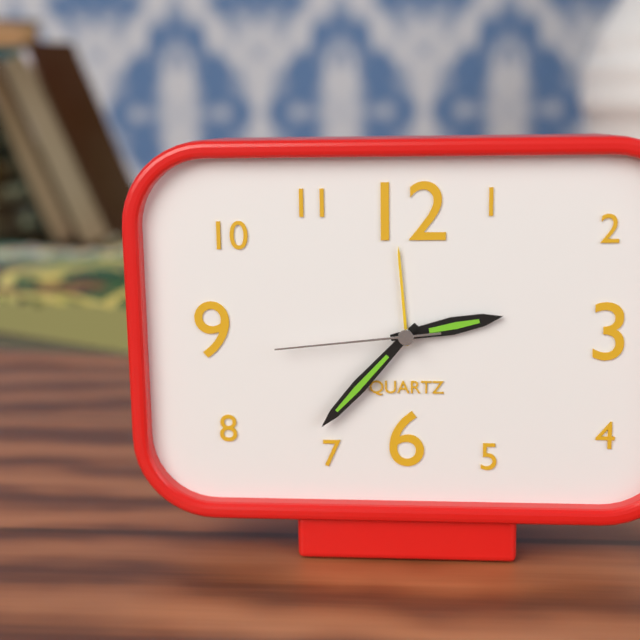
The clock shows **2:37:44**
